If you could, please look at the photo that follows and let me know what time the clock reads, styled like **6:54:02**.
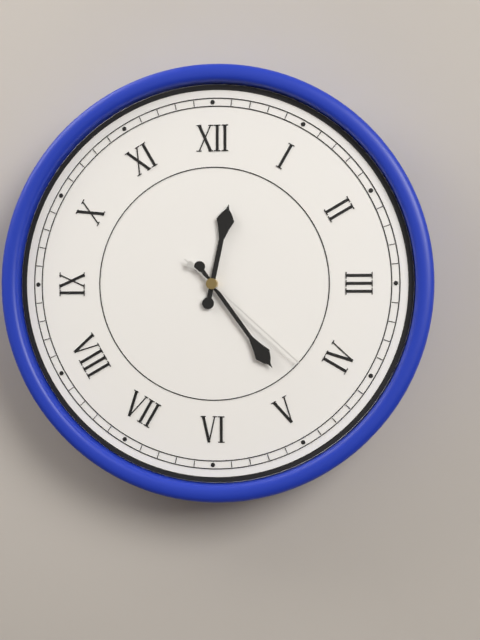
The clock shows **12:24:22**
